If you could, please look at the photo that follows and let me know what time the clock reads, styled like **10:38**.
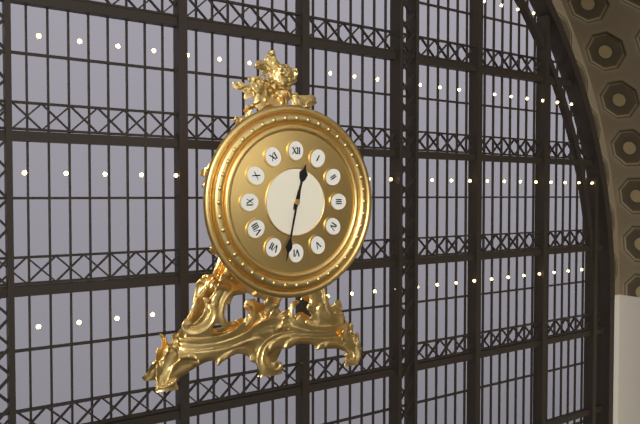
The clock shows **12:32**
